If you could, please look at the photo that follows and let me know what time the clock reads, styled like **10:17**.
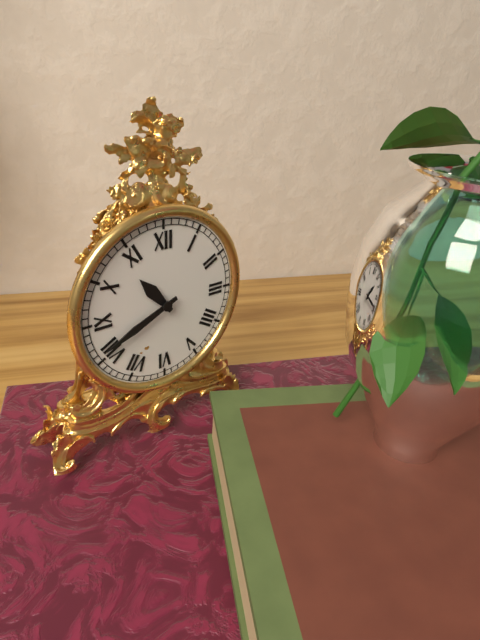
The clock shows **10:41**
